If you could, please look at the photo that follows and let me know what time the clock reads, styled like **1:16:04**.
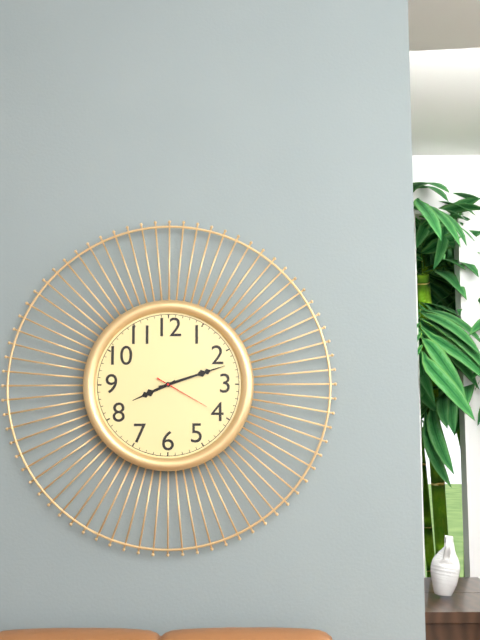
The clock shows **8:12:20**
